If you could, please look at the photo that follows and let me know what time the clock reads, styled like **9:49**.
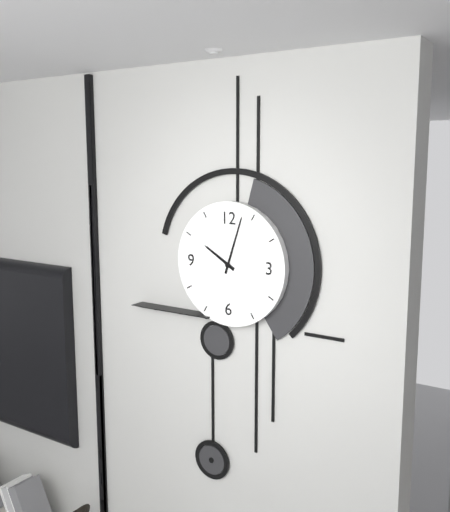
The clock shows **10:03**
